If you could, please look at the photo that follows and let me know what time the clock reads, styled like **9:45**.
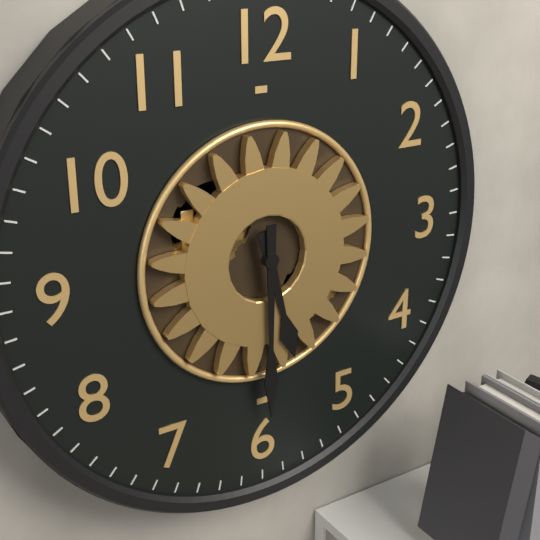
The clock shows **5:30**
